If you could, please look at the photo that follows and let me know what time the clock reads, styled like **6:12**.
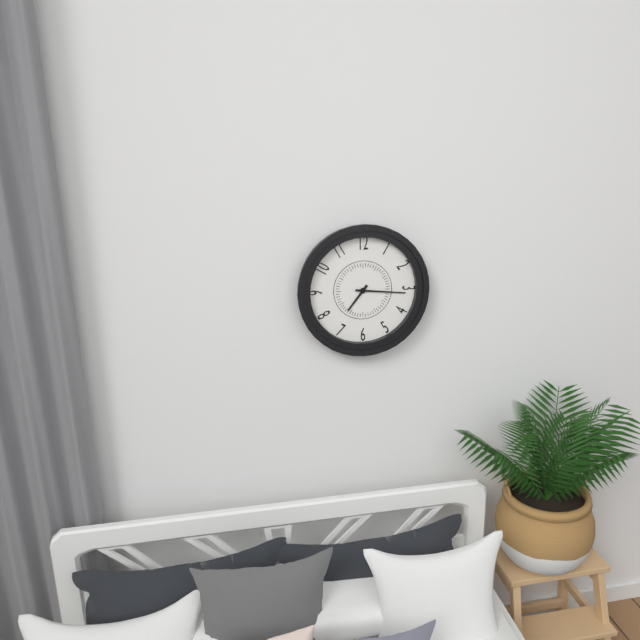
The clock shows **7:16**
